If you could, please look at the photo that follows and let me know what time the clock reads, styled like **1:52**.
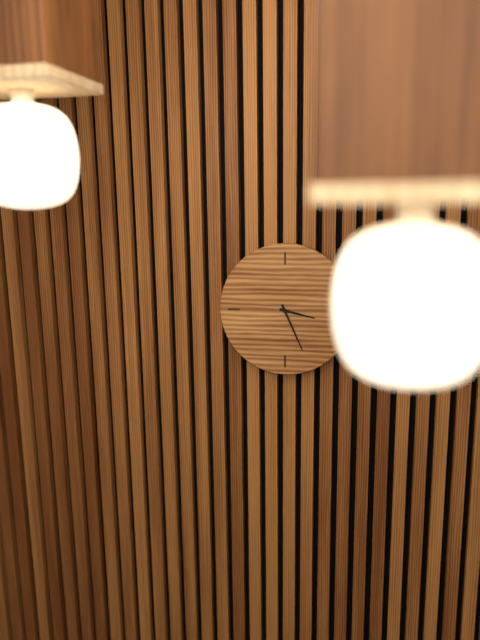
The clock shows **3:26**
